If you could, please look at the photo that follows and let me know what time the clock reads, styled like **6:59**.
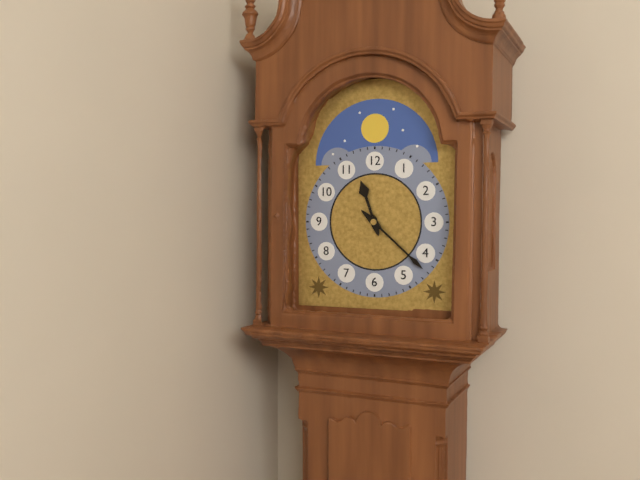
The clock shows **11:22**
